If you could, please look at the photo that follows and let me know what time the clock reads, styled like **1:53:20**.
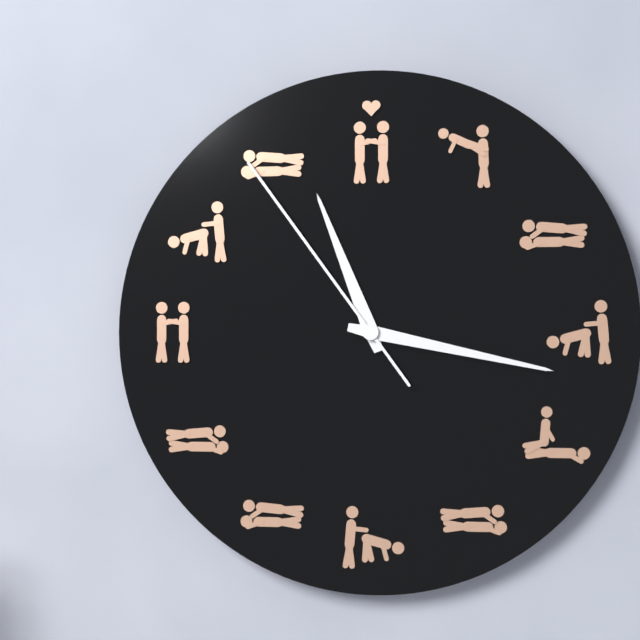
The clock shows **11:17:54**
